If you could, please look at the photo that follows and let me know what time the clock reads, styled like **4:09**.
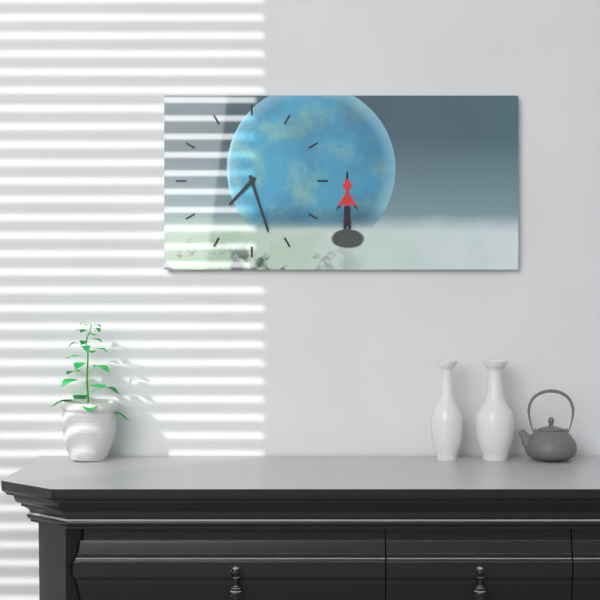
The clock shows **7:27**
